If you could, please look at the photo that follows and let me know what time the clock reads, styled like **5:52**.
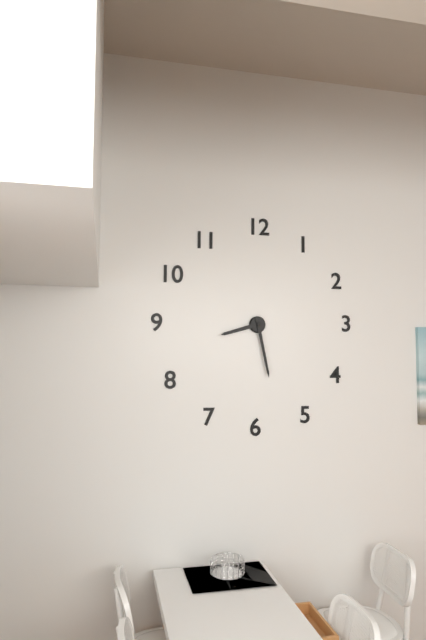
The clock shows **8:28**
